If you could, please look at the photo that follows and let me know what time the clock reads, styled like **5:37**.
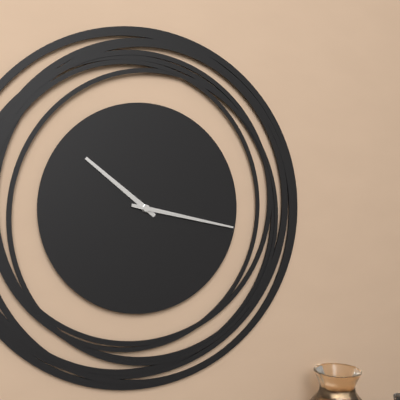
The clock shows **10:17**
